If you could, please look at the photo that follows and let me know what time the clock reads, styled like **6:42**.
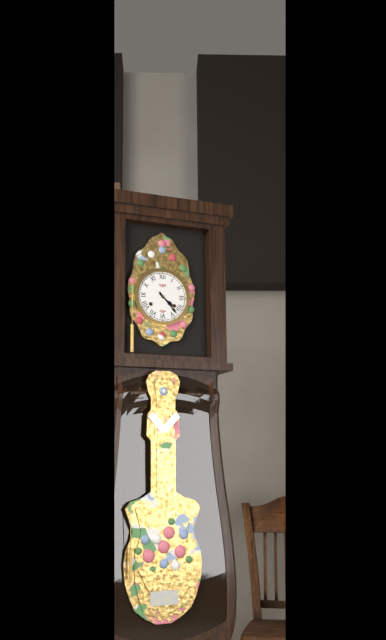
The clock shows **4:23**
